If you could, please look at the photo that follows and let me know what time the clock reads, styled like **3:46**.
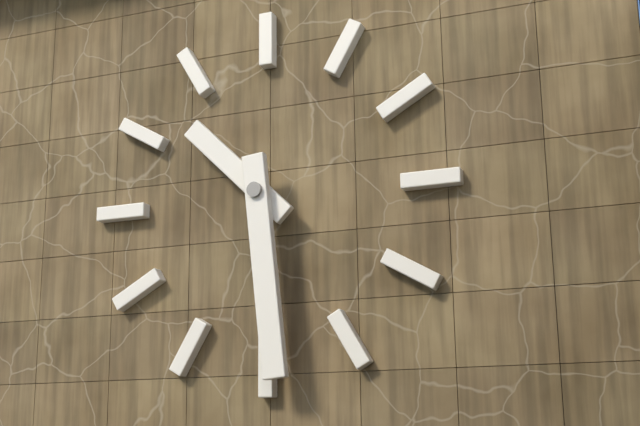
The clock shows **10:29**
